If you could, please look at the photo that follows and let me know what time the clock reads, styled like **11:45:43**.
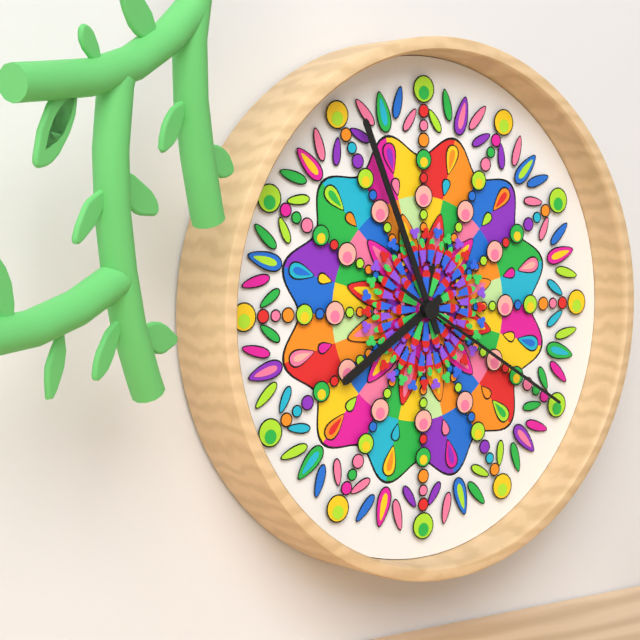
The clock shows **7:56:20**
